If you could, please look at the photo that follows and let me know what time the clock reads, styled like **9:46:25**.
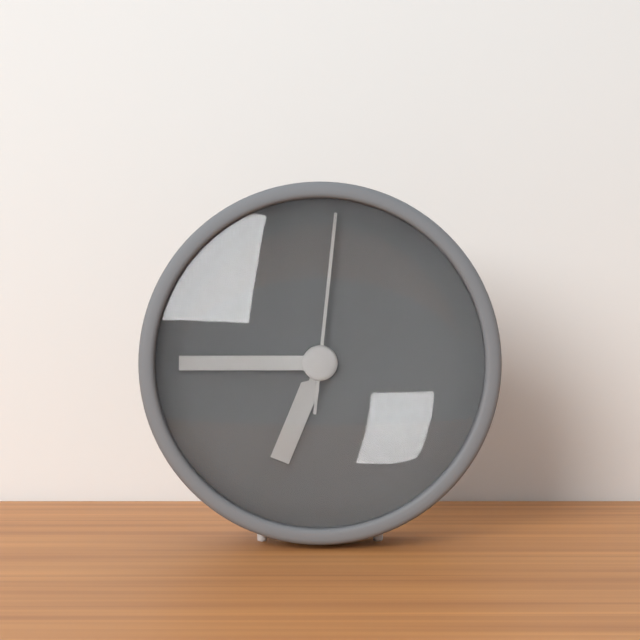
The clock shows **6:45:01**
